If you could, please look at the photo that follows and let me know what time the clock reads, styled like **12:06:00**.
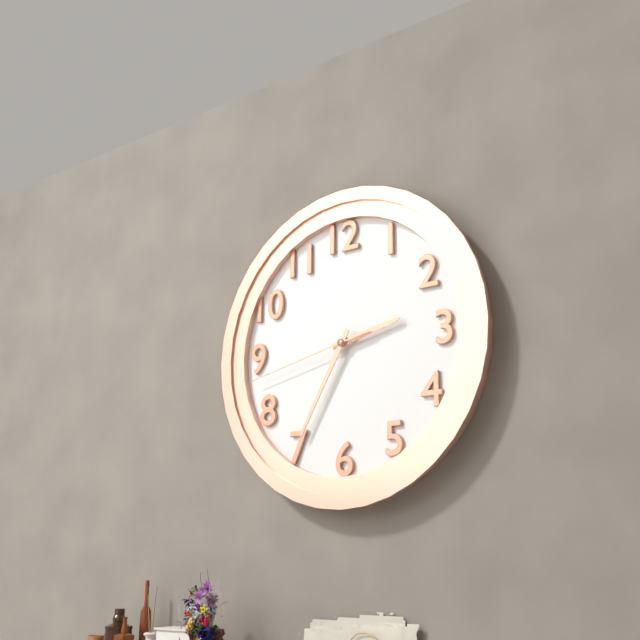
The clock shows **2:35:43**
